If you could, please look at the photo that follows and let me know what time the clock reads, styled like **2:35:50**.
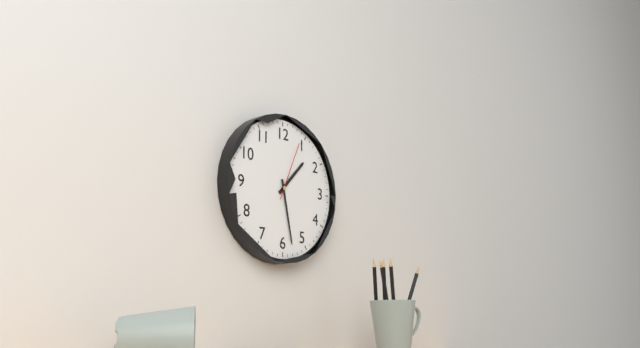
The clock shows **1:28:04**
